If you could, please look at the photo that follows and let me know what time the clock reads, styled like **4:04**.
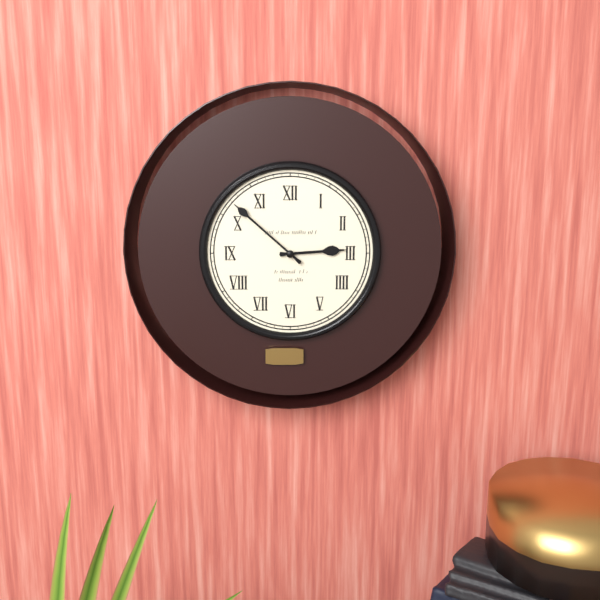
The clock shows **2:52**
